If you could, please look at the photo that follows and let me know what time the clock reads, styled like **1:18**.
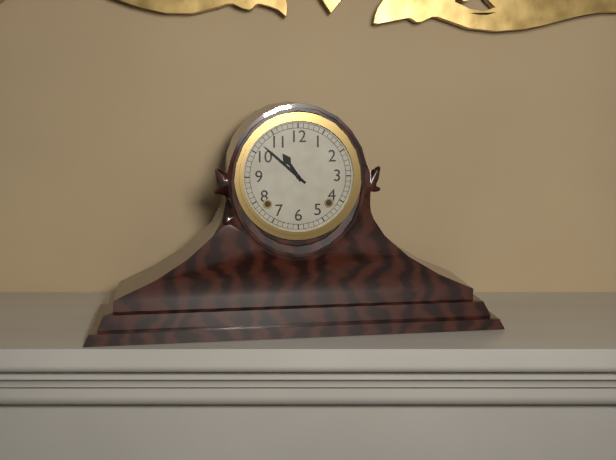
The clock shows **10:52**
